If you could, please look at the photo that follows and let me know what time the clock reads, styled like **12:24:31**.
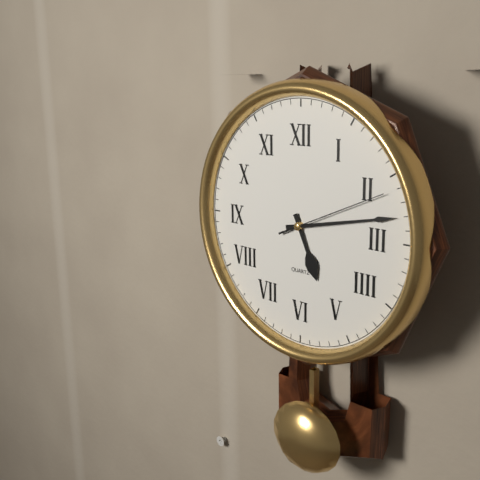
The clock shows **5:13:11**
